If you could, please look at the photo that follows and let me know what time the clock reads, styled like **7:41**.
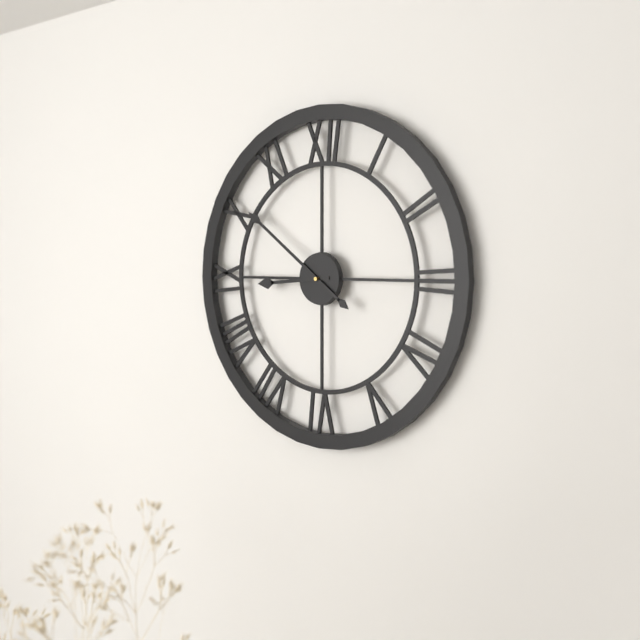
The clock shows **8:51**
